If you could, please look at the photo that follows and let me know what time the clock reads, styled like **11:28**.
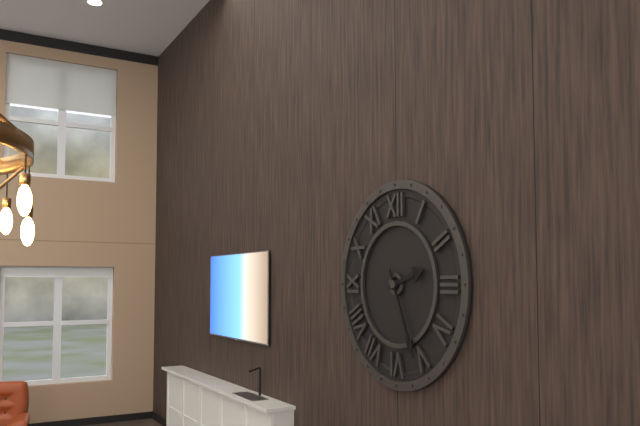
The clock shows **2:26**
